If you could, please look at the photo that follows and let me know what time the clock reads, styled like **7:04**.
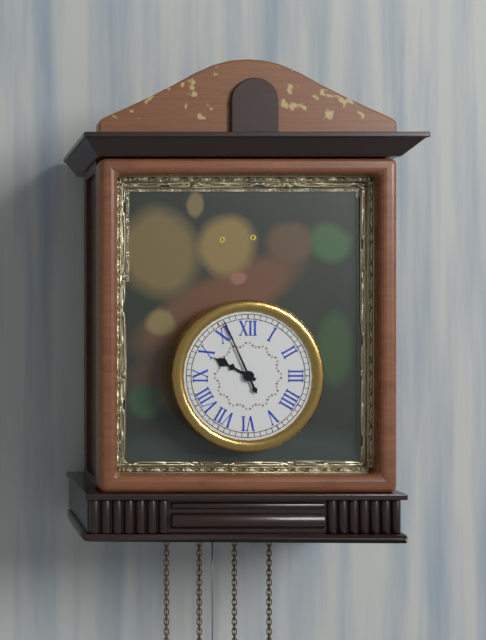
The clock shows **9:56**
